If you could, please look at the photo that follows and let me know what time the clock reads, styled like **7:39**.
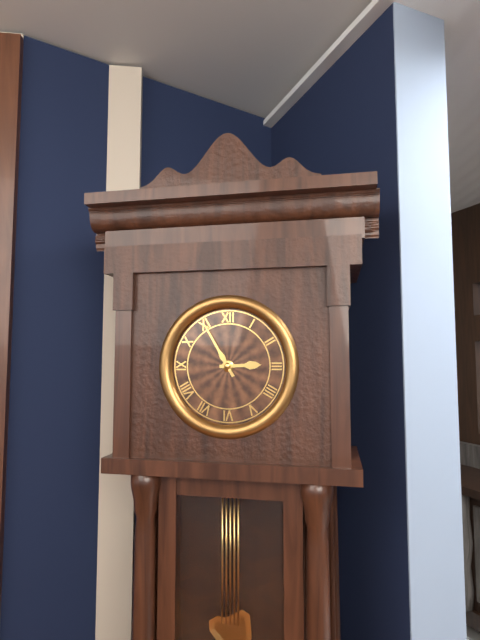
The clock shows **2:55**
